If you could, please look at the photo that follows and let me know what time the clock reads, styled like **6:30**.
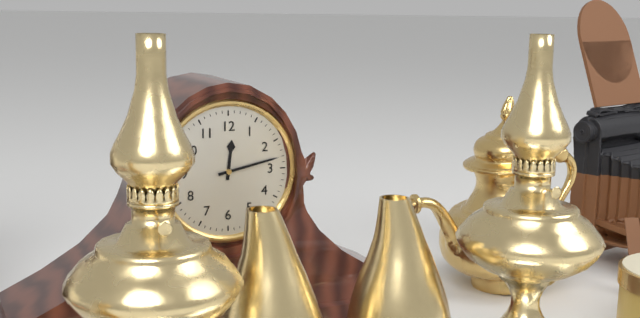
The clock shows **12:13**
